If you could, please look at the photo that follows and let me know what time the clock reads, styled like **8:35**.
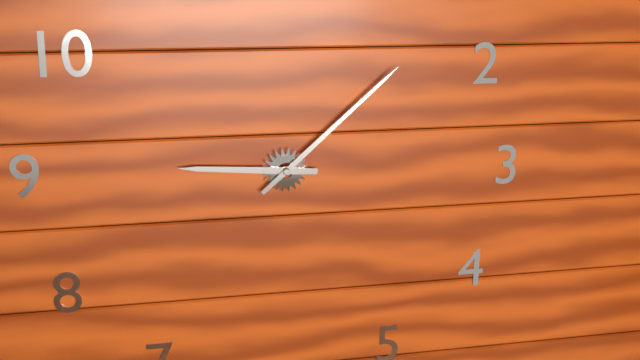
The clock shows **9:08**
